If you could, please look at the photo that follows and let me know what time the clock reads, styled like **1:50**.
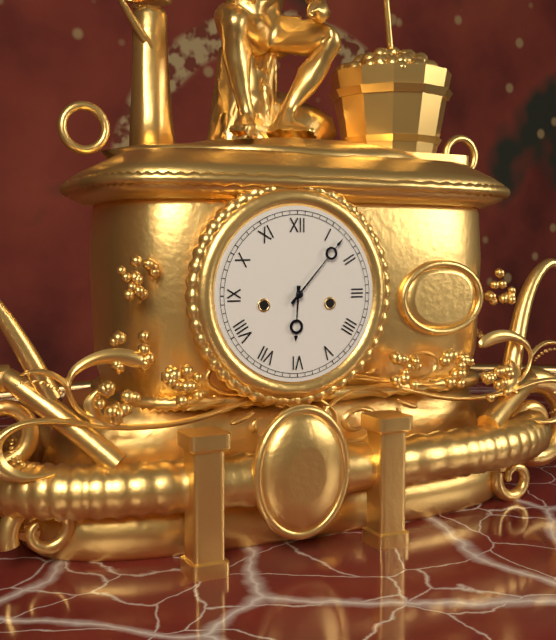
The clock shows **6:07**
